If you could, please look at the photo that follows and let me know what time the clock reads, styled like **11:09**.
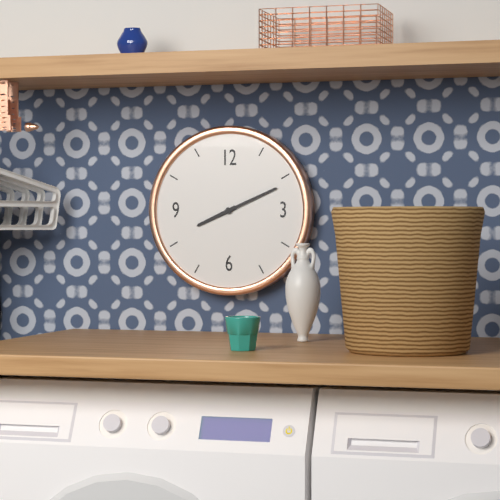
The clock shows **8:11**
